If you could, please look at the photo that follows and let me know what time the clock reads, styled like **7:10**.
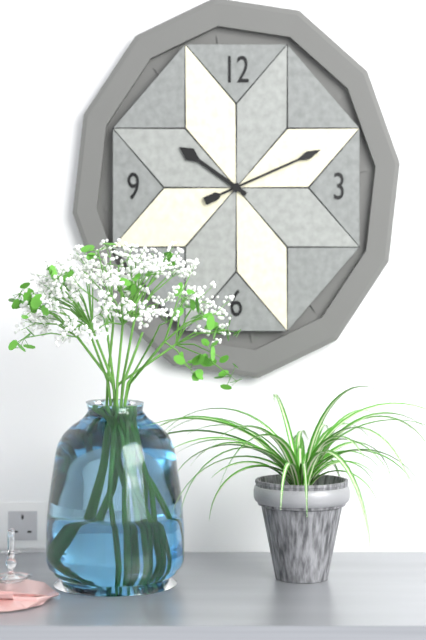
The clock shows **10:11**
